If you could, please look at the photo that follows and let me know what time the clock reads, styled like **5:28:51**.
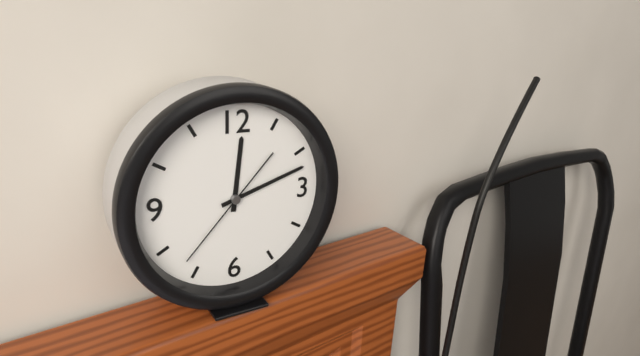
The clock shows **12:12:37**
